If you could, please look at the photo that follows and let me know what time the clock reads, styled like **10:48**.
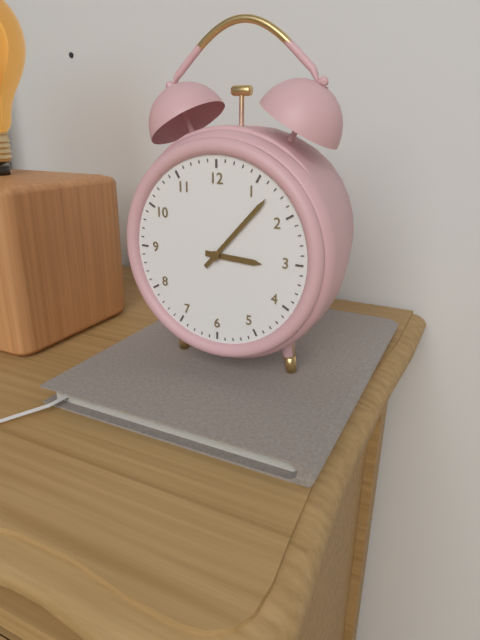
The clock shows **3:07**
